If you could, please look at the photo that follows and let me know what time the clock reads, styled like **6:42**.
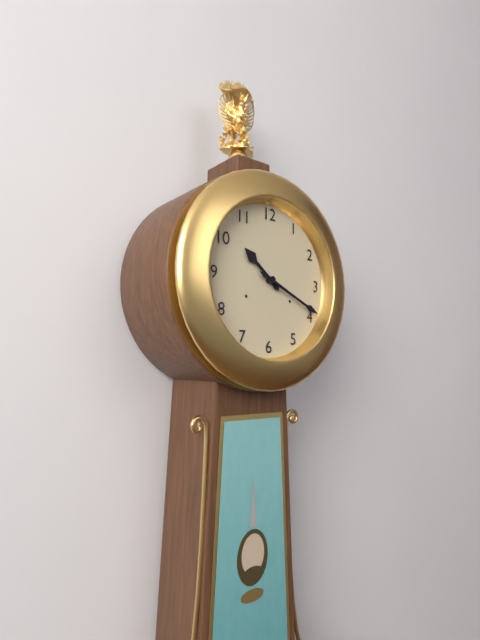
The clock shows **10:19**
